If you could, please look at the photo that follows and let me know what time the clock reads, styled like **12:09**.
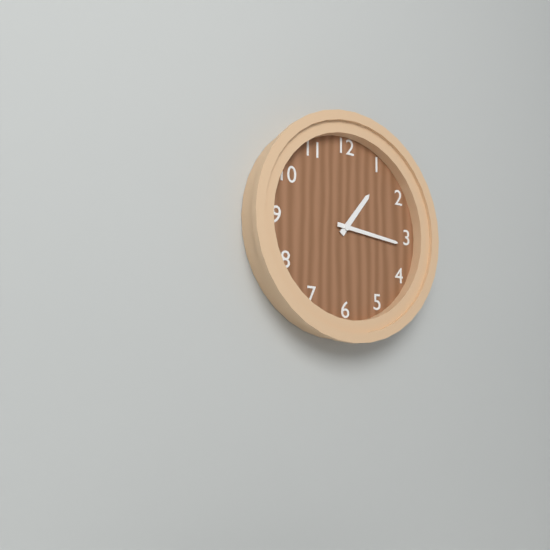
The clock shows **1:16**
